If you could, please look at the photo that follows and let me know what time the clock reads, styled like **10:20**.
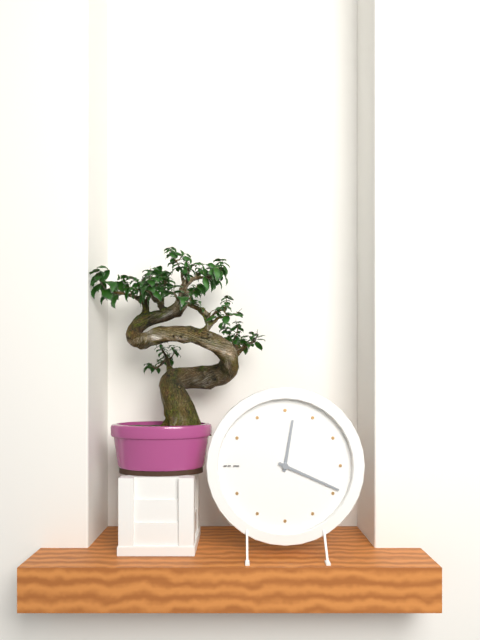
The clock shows **12:19**
